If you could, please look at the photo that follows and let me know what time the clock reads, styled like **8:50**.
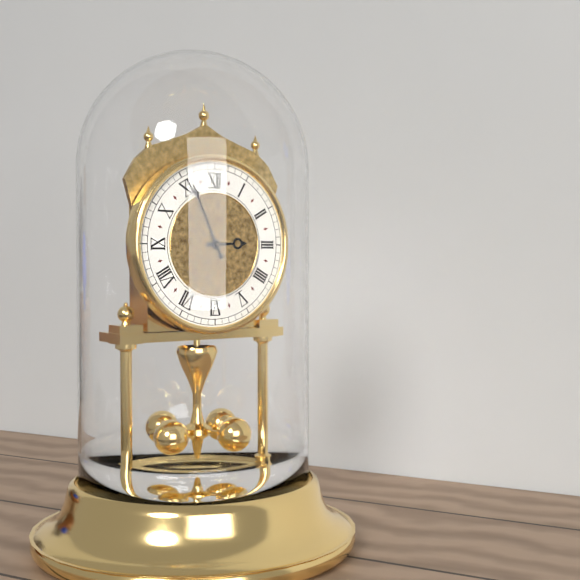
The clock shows **2:56**
